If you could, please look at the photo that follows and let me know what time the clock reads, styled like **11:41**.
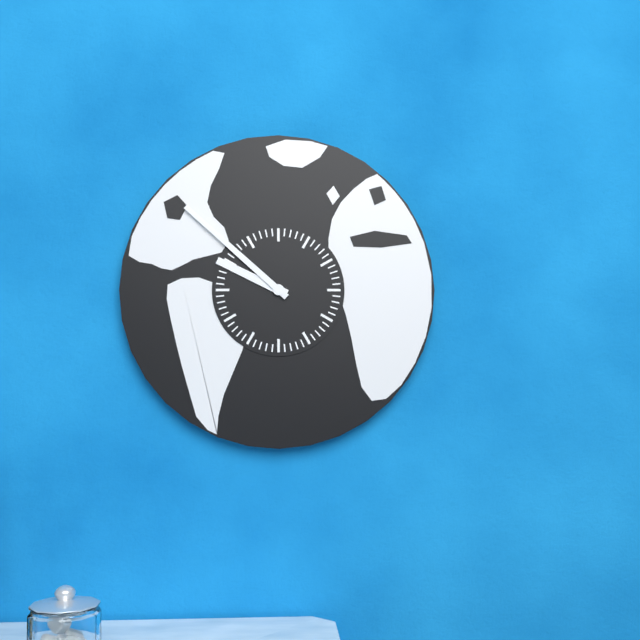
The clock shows **9:52**
